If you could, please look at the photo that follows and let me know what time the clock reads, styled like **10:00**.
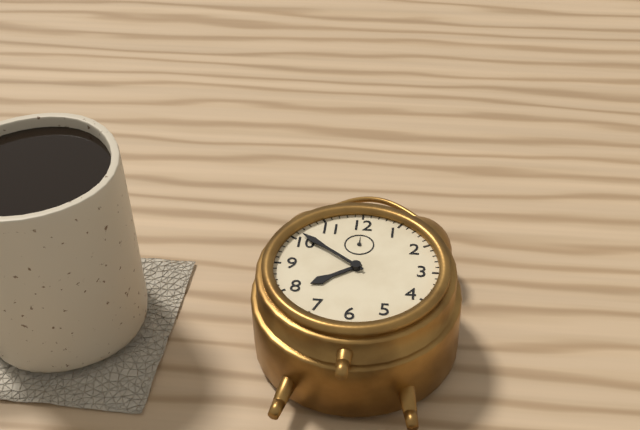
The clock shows **7:51**
